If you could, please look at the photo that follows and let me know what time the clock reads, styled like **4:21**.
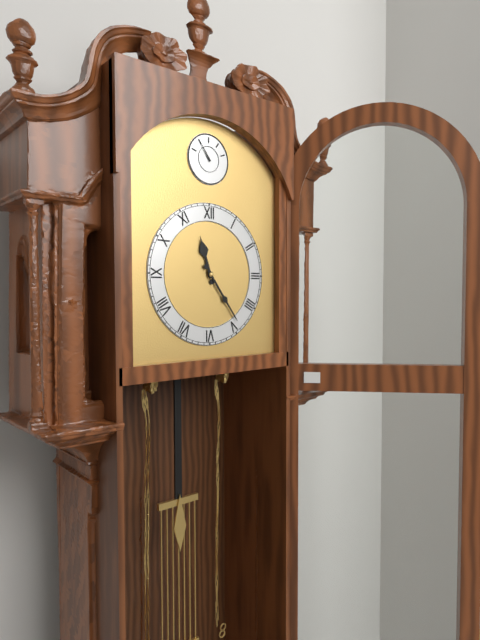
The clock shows **11:24**
